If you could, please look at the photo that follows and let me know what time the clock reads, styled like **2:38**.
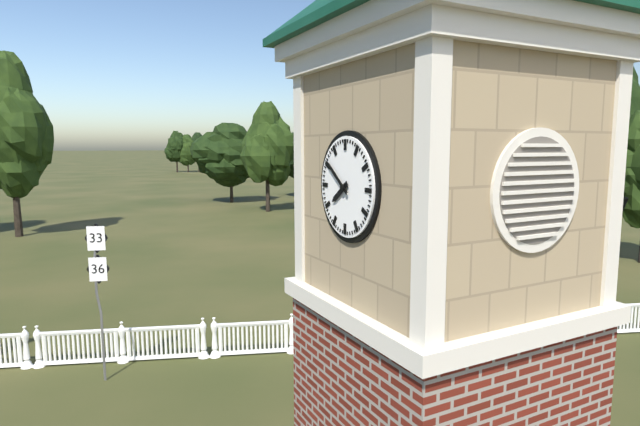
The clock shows **7:51**
